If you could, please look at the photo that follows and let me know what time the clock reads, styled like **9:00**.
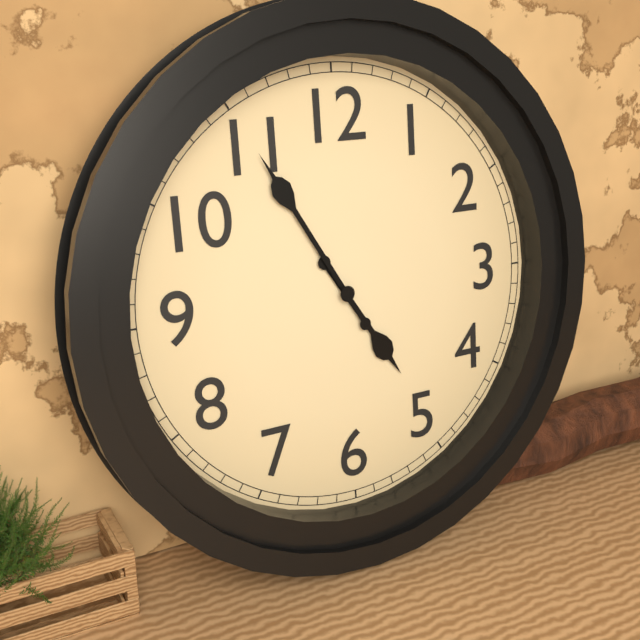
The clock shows **4:55**
